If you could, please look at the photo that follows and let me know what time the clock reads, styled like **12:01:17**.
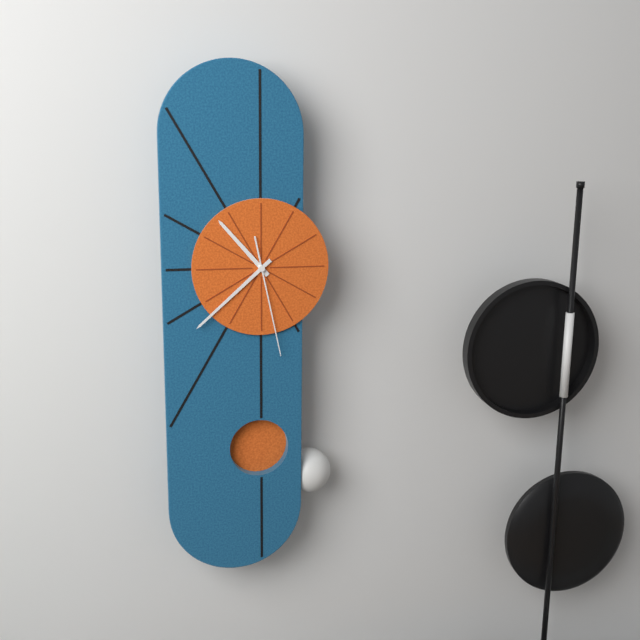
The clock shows **10:38:28**
